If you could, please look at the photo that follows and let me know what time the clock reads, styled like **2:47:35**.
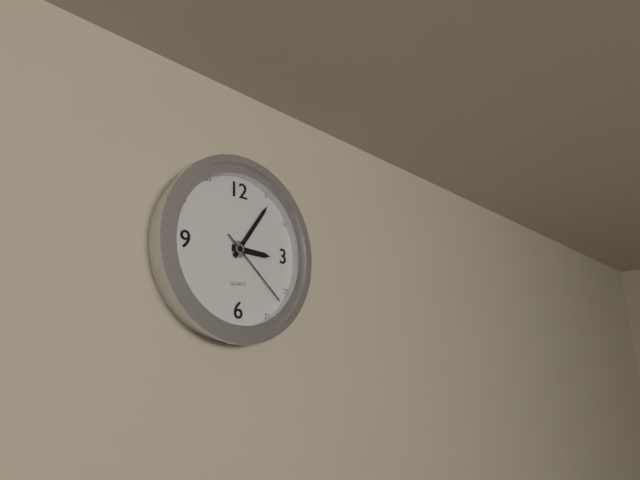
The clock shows **3:06:22**
